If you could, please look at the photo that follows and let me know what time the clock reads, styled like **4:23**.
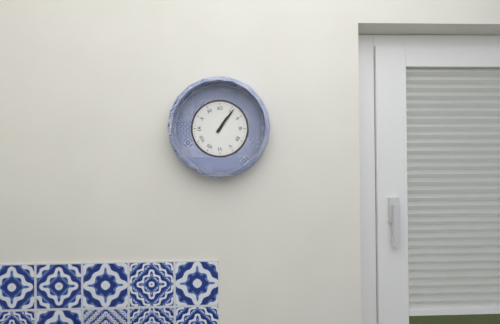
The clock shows **1:06**
